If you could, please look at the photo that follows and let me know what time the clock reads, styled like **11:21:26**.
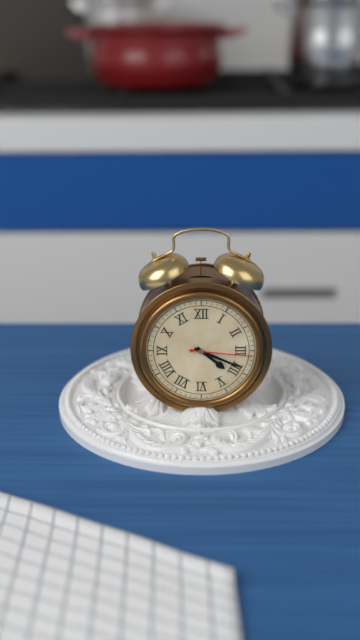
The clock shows **4:19:16**
